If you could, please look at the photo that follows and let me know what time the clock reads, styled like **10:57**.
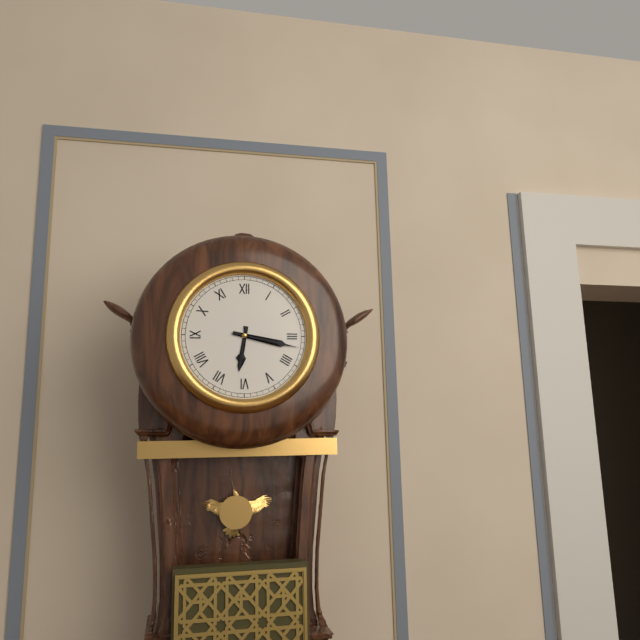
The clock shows **6:17**
